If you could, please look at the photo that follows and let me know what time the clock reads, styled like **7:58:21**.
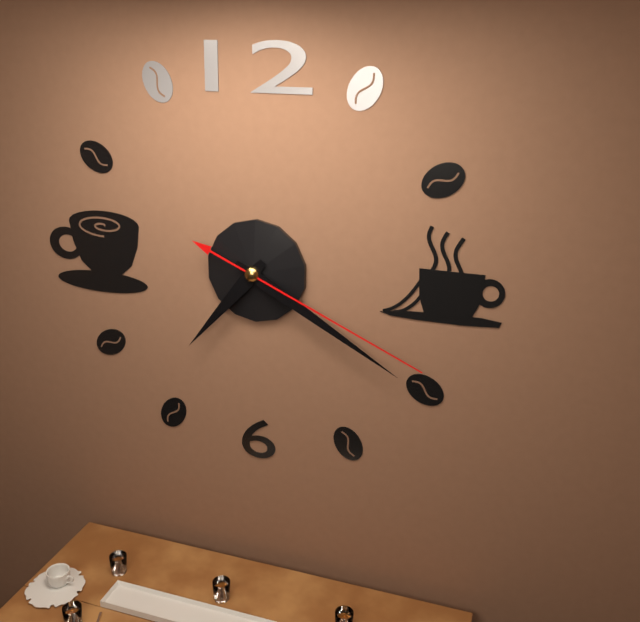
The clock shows **7:20:19**
